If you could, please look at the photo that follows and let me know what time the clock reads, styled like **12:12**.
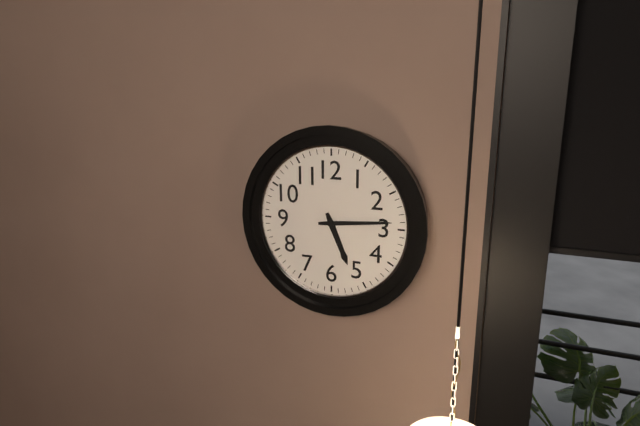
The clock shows **5:14**
